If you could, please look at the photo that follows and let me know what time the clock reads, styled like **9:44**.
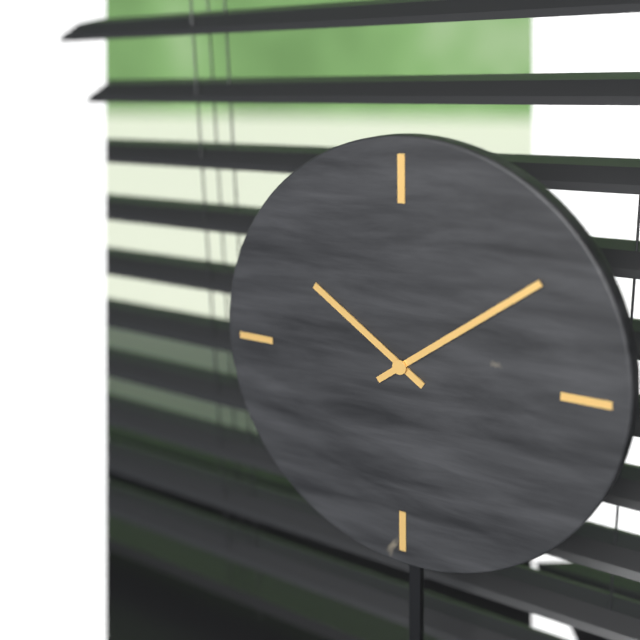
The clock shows **10:09**
